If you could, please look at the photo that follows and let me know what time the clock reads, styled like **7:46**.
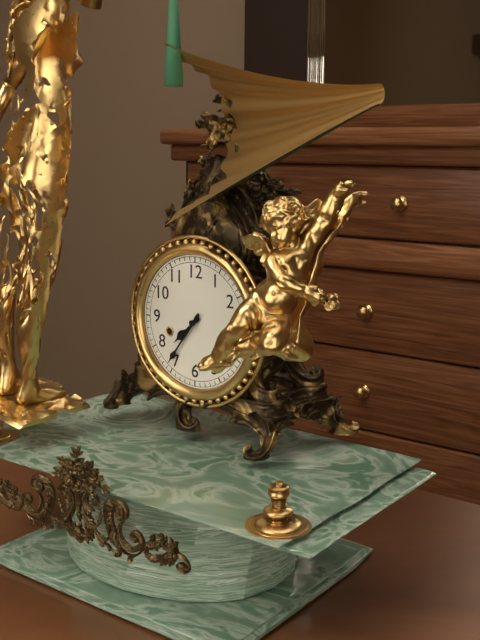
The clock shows **7:36**
